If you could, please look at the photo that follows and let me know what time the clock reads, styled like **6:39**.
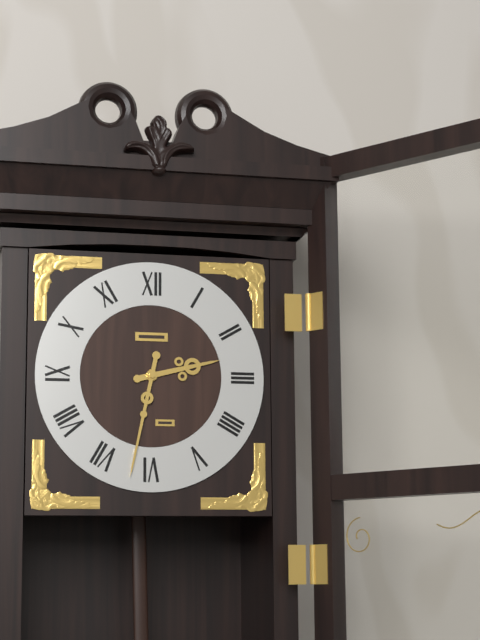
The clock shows **2:32**
